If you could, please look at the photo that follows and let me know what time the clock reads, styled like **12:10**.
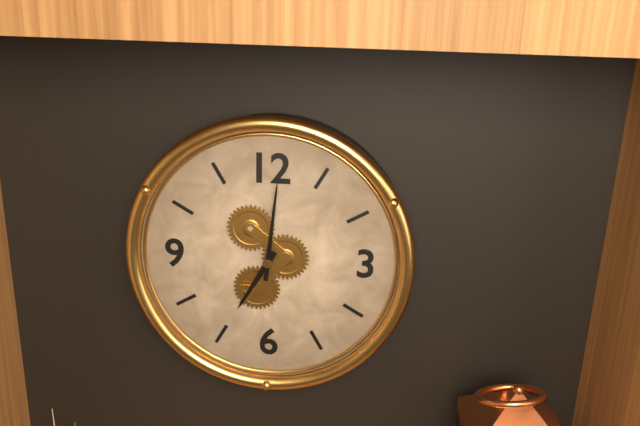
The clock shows **7:01**
